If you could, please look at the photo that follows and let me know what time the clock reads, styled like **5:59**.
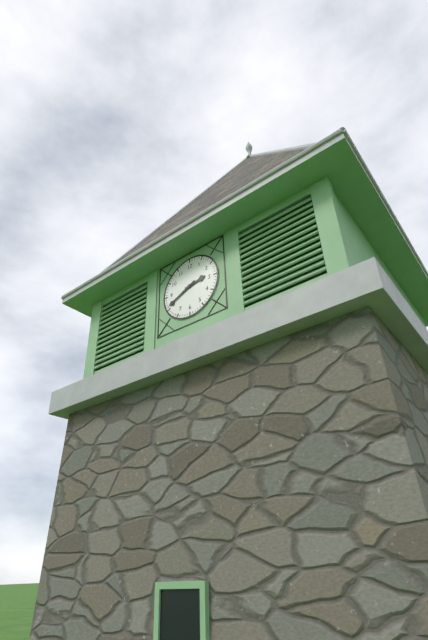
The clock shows **2:41**
